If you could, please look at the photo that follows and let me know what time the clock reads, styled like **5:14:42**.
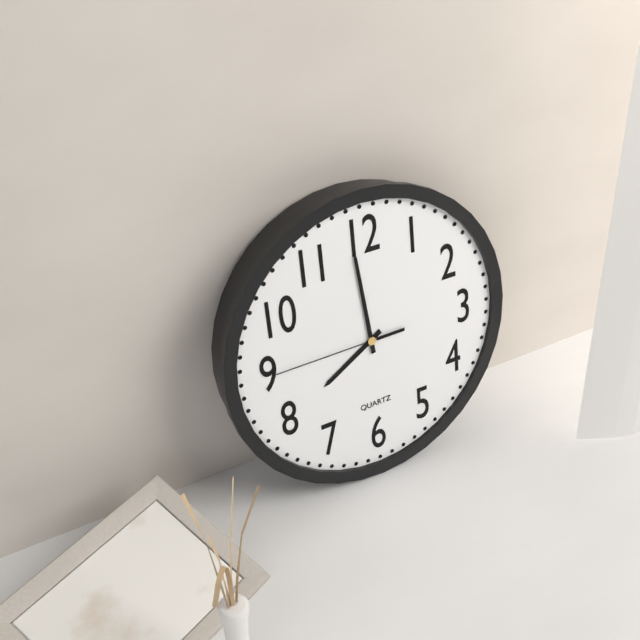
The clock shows **7:59:45**
